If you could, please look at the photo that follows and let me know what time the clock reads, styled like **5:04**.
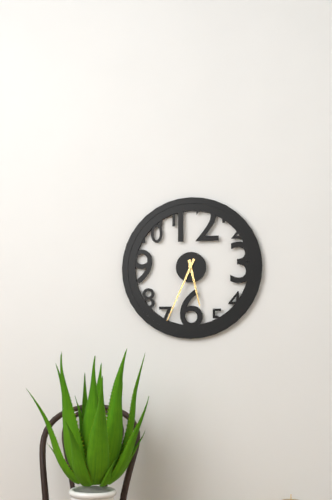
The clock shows **5:34**
